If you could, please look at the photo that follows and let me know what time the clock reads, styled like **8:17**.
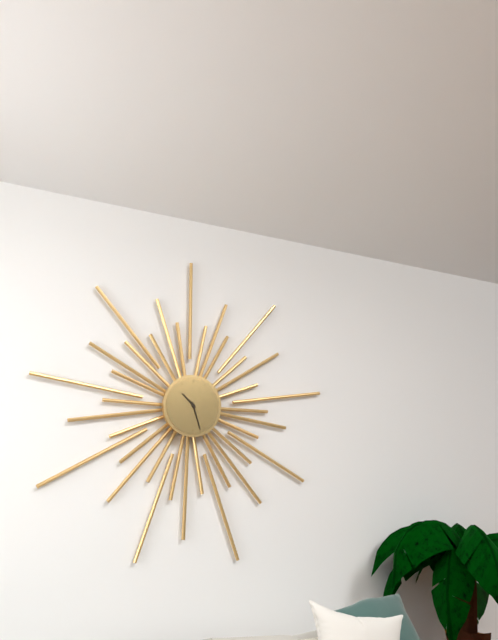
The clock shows **10:27**
